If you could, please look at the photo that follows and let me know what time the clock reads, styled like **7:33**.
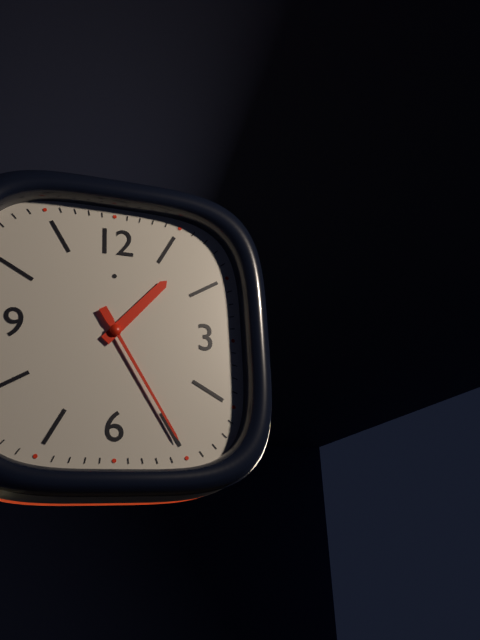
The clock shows **1:25**
